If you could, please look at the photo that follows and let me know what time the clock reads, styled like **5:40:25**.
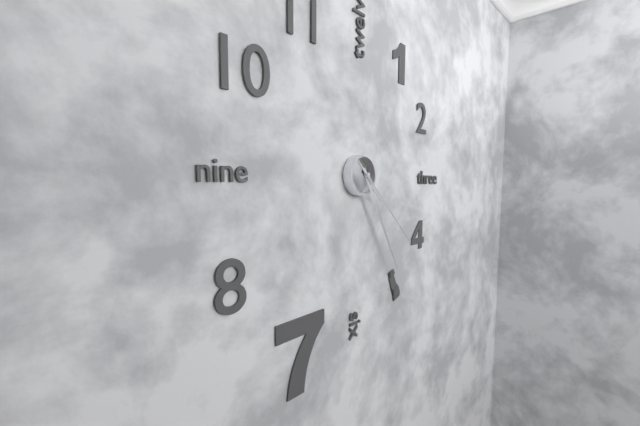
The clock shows **4:25:22**
